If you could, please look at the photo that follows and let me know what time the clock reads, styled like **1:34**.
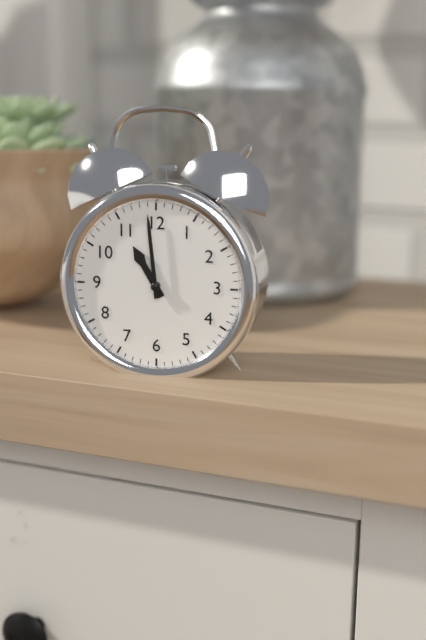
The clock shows **10:59**
